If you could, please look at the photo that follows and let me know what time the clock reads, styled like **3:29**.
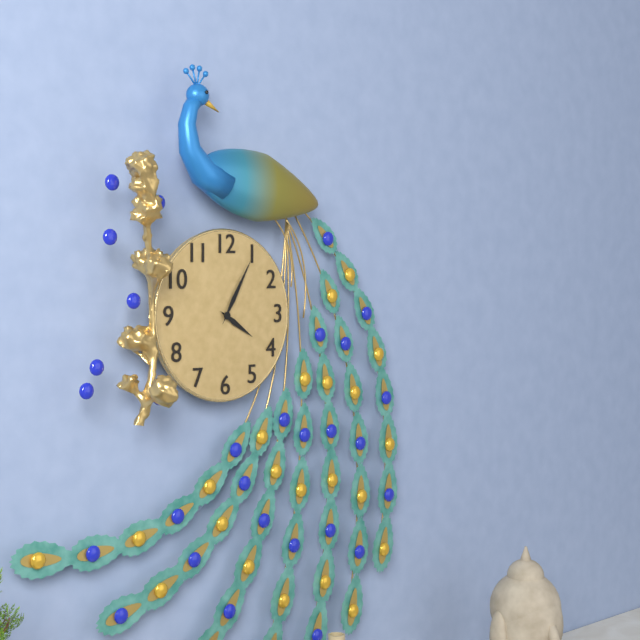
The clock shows **4:05**
